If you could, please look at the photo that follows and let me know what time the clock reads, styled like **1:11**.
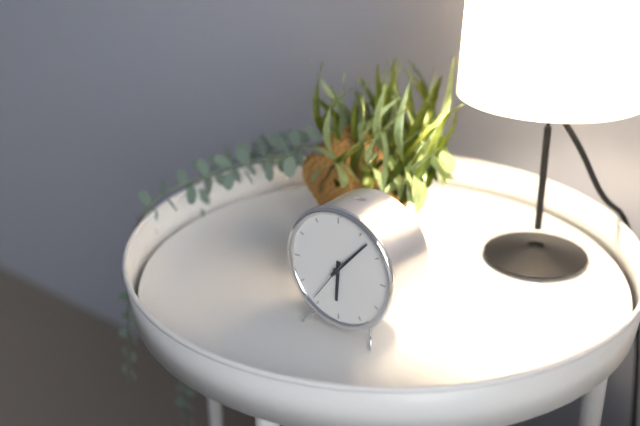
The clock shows **6:07**
